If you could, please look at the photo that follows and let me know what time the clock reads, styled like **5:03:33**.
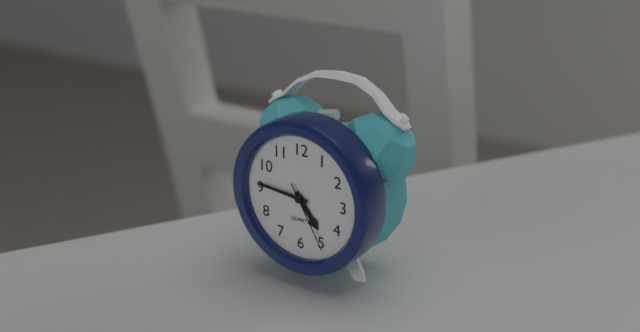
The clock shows **4:46:25**
